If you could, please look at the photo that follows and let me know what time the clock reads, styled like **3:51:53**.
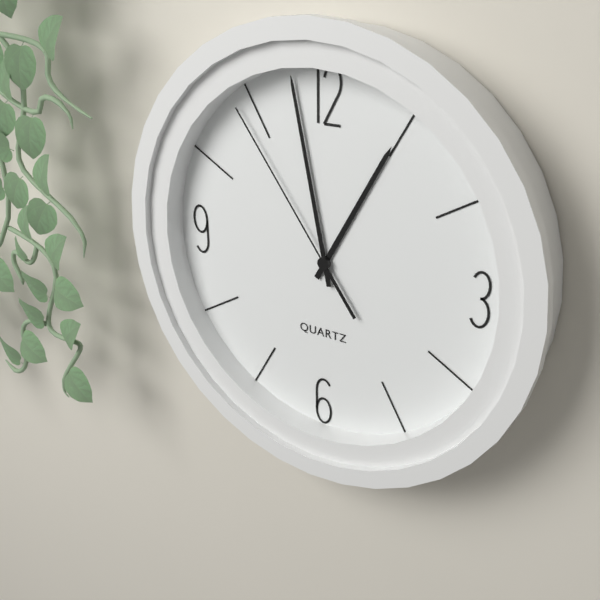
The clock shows **12:58:54**
